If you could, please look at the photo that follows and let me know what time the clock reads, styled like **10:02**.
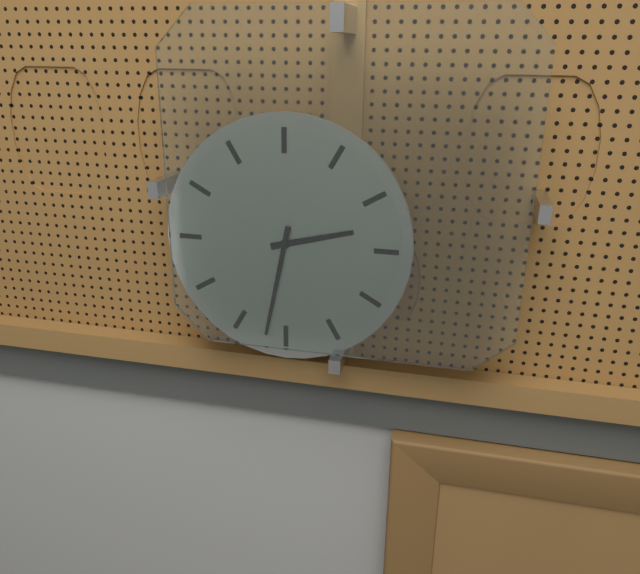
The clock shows **2:32**
